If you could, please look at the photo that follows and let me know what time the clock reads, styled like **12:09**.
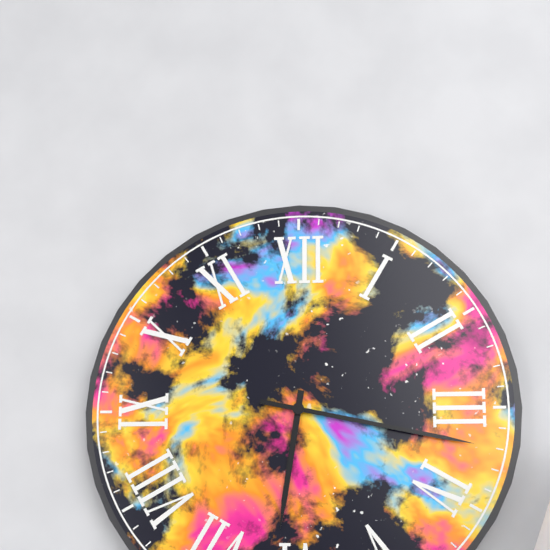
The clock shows **6:17**
